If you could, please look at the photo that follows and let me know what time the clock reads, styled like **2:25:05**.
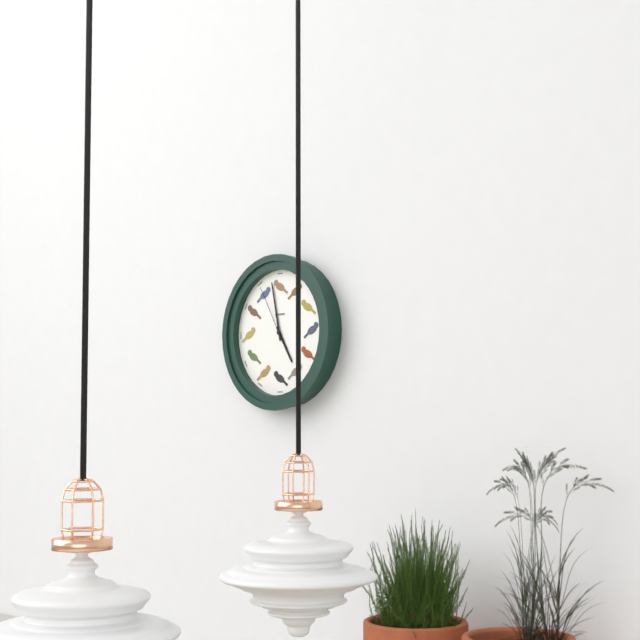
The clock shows **4:58:55**
